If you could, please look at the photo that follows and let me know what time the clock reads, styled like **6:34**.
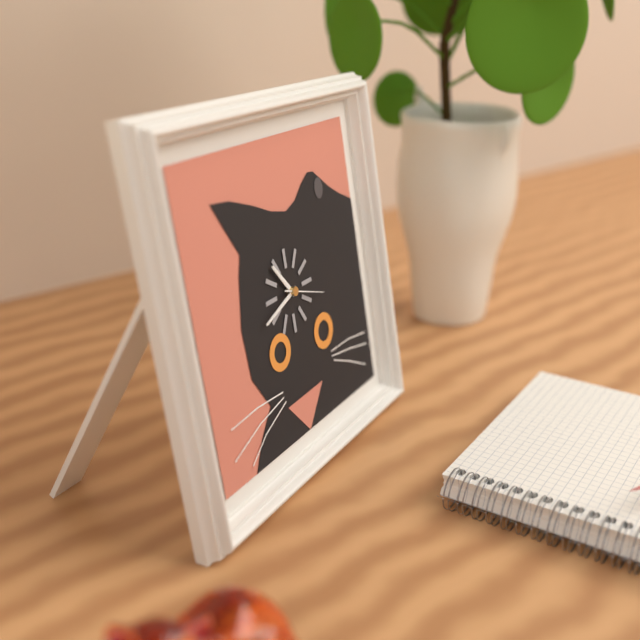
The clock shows **10:42**
